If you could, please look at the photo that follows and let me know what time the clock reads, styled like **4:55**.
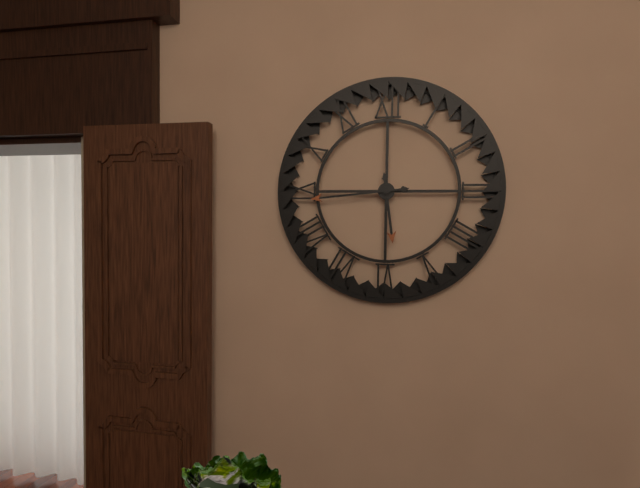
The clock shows **5:44**
